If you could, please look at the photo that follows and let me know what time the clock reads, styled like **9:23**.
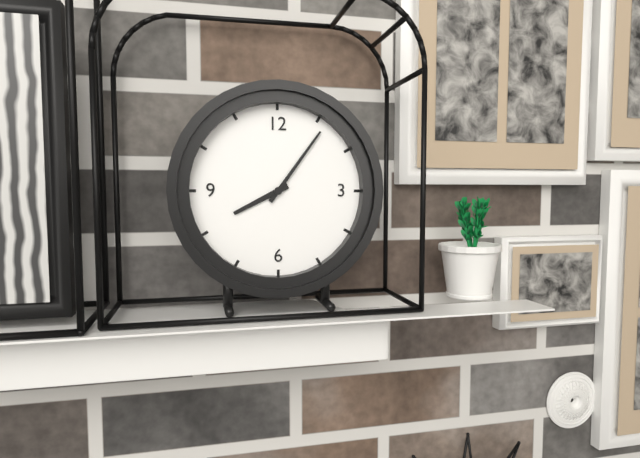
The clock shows **8:06**
